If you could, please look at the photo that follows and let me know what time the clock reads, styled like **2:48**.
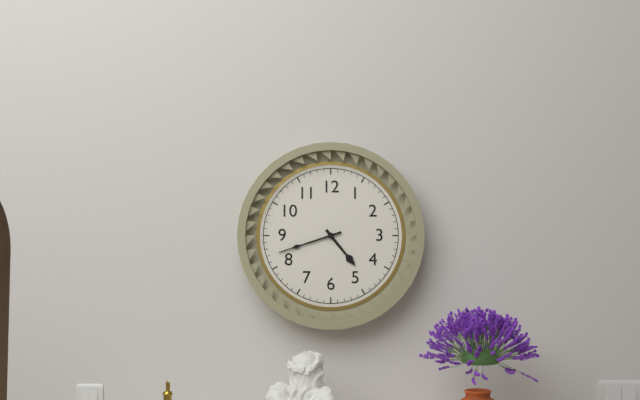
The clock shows **4:42**
